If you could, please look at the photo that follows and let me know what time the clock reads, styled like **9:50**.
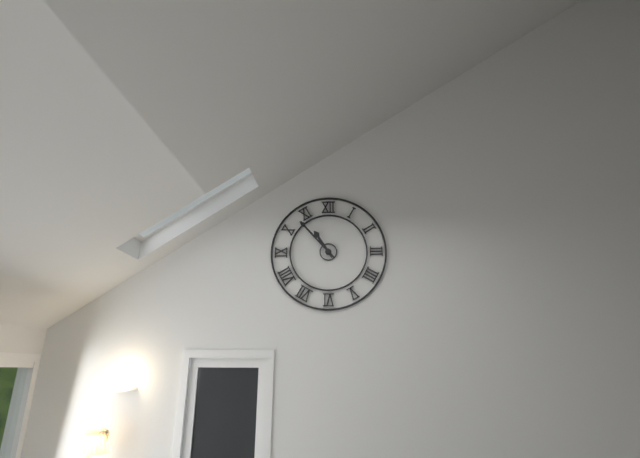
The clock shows **10:53**
